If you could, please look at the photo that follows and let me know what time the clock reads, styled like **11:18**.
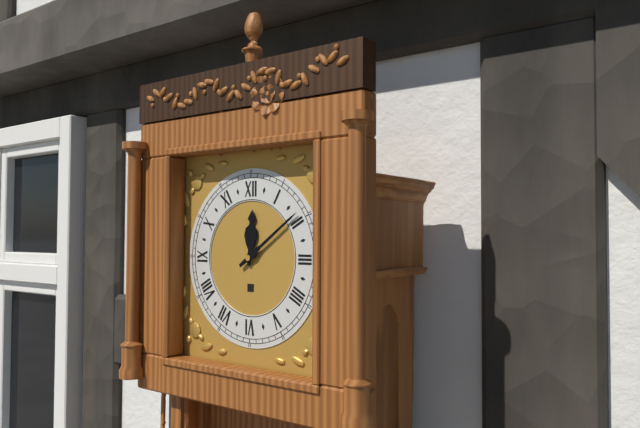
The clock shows **12:09**
